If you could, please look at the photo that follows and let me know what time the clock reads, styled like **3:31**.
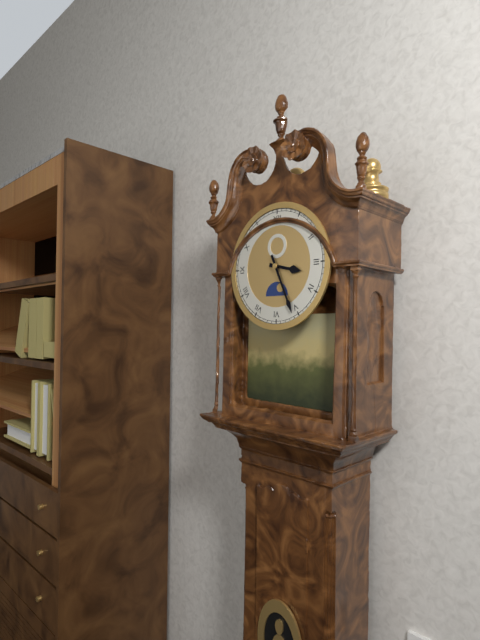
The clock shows **3:26**
